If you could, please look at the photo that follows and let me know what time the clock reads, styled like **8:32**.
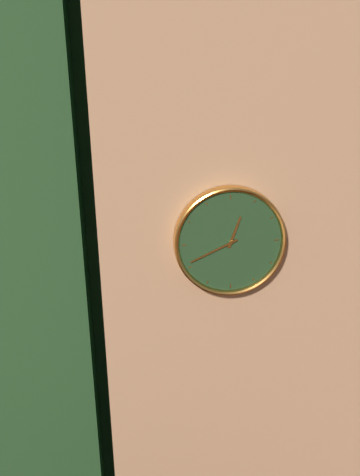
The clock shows **12:41**
